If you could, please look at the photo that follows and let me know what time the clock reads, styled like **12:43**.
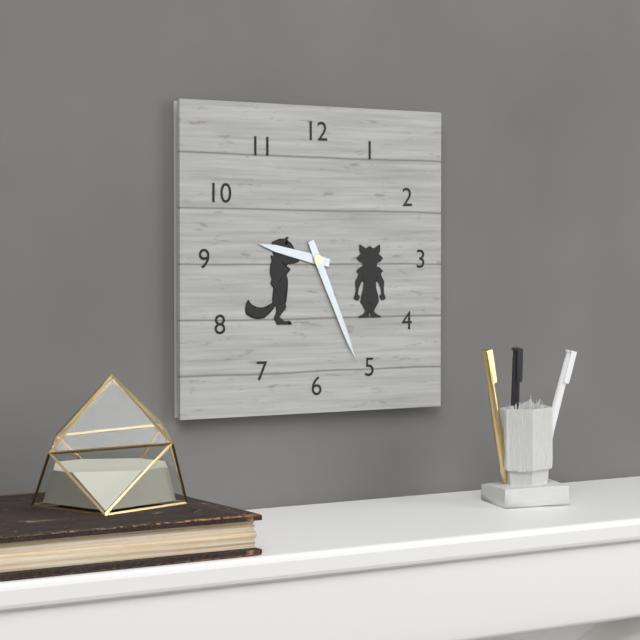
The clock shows **9:26**
